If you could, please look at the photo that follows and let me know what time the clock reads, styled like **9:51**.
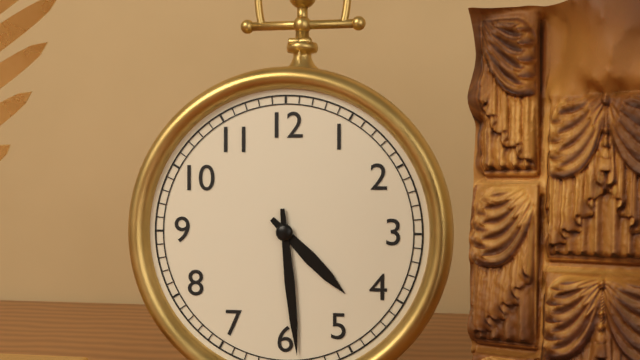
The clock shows **4:29**
